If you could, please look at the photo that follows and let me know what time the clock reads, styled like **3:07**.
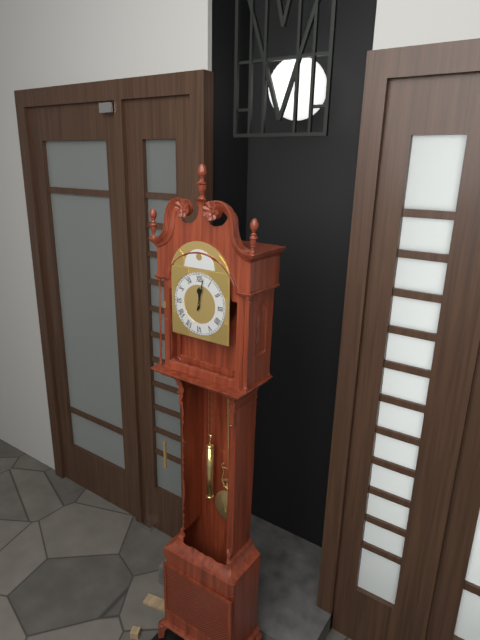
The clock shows **12:02**
